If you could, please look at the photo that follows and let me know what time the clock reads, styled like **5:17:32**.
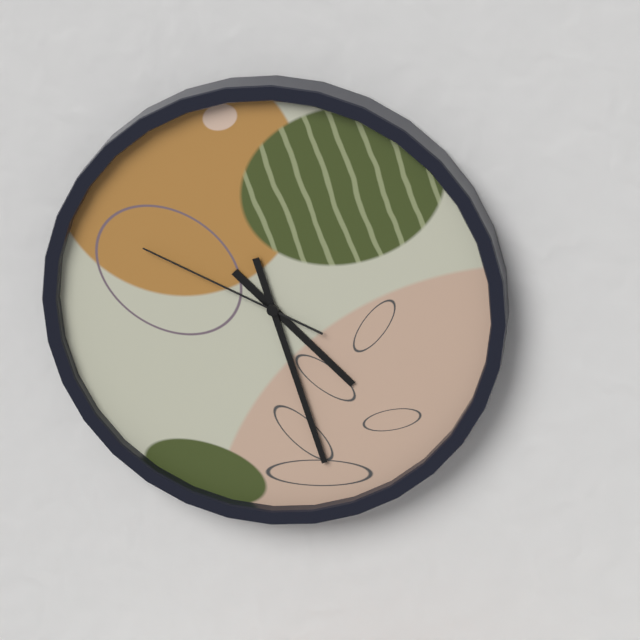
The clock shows **4:27:49**
